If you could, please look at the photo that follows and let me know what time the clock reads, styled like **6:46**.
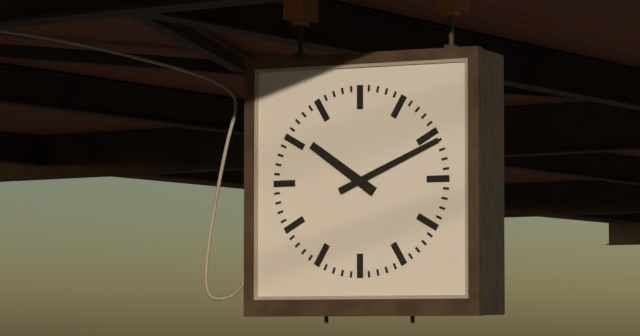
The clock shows **10:11**
